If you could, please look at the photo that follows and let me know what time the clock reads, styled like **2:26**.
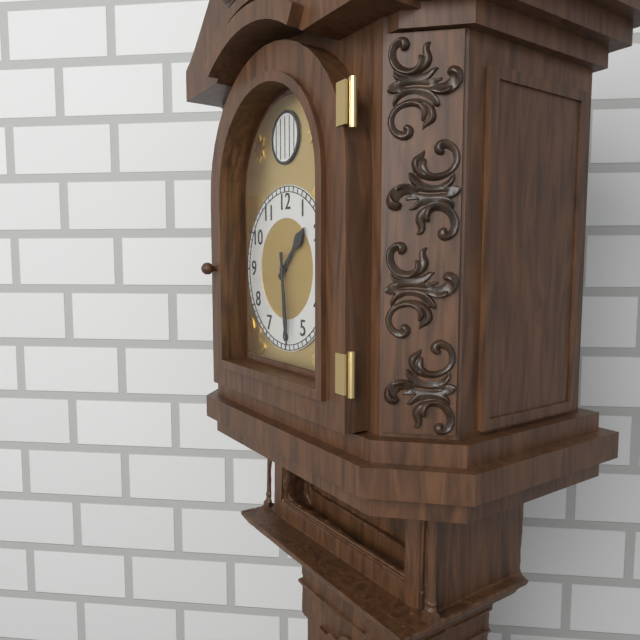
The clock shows **1:29**
